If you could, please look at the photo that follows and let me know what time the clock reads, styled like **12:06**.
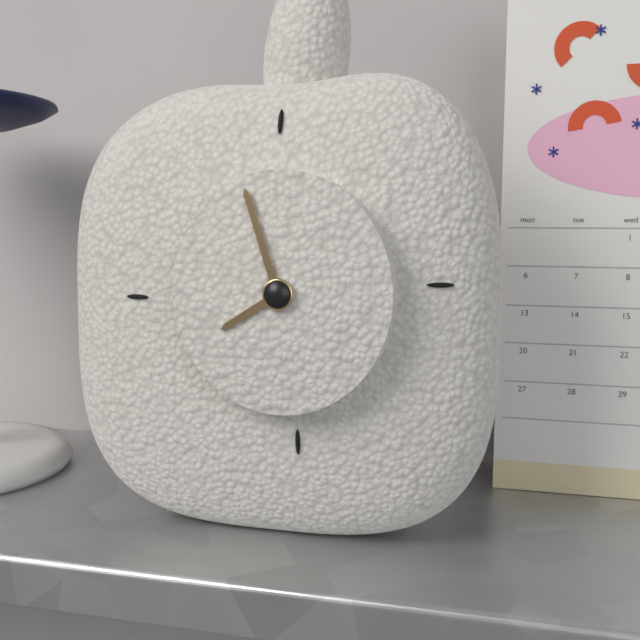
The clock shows **7:57**
